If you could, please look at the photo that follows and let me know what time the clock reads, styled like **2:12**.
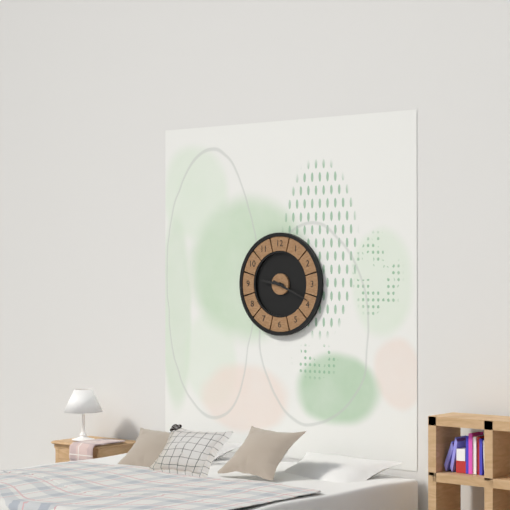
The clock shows **9:19**
